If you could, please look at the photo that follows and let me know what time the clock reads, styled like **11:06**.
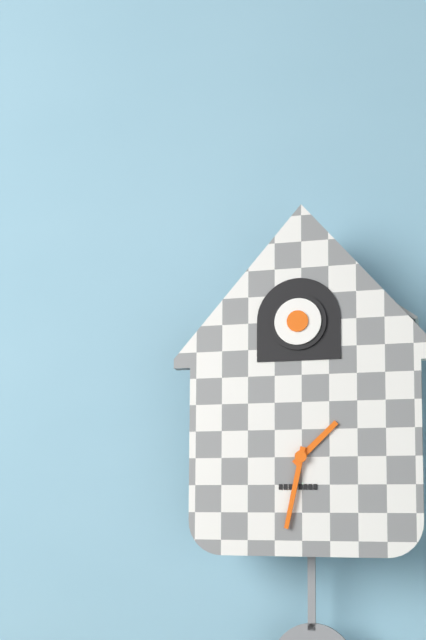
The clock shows **1:32**
